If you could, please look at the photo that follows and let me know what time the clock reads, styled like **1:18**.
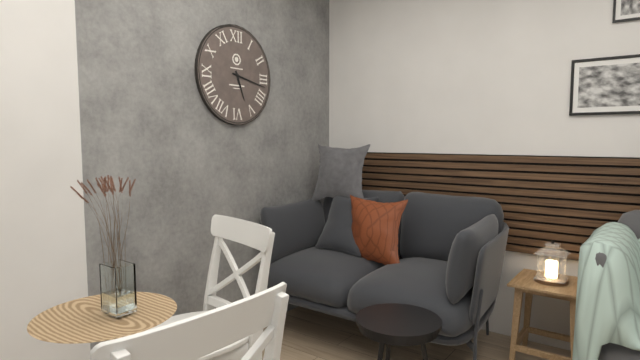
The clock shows **5:17**
